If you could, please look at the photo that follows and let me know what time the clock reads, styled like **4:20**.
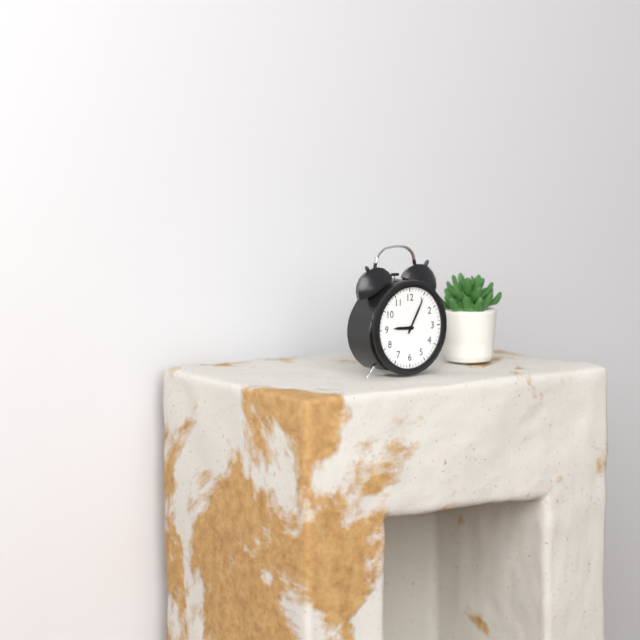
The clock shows **9:05**
